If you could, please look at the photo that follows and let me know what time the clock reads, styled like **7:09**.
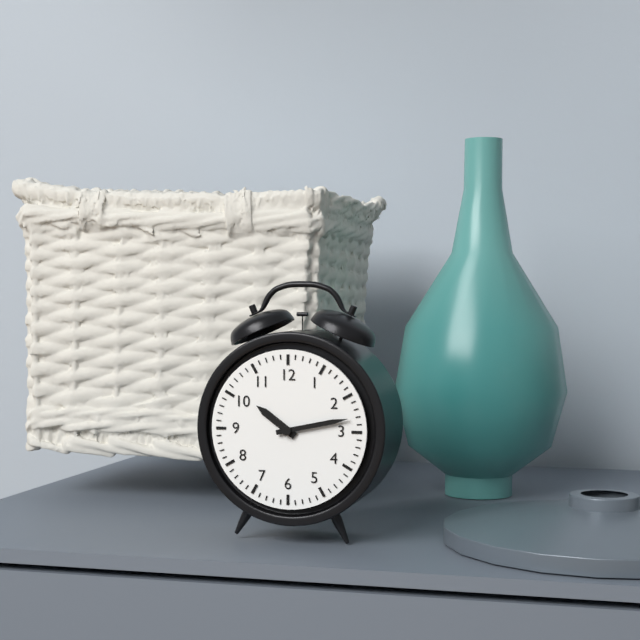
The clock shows **10:13**
